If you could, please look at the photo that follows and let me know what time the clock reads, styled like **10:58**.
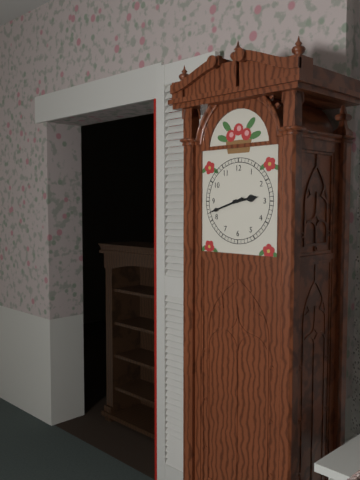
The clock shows **2:42**
